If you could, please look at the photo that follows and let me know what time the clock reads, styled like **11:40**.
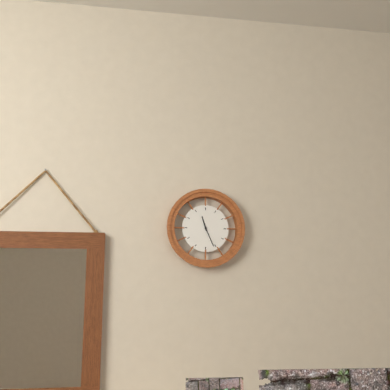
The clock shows **11:26**
